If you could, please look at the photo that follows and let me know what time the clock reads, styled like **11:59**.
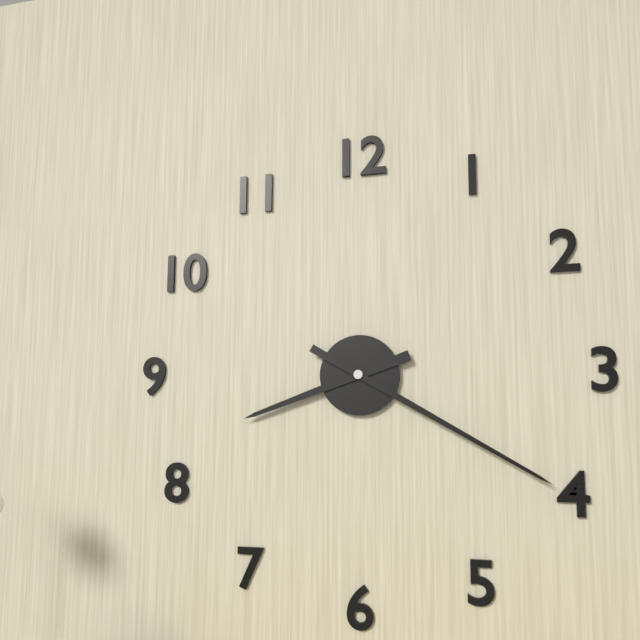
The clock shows **8:20**
